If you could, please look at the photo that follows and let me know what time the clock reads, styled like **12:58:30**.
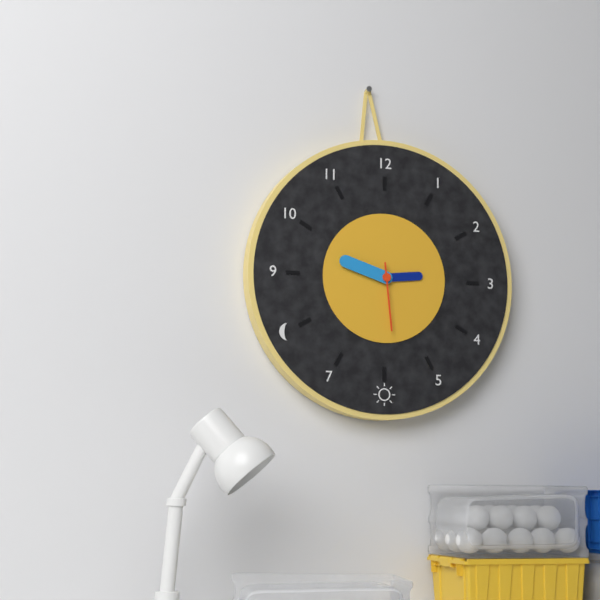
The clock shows **2:48:29**
